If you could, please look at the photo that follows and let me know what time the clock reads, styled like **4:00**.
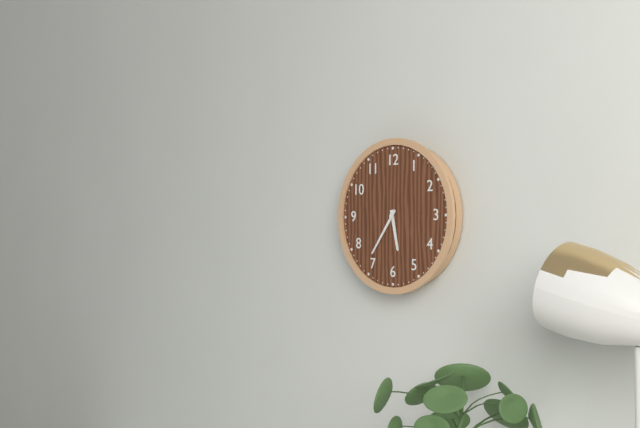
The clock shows **5:36**
